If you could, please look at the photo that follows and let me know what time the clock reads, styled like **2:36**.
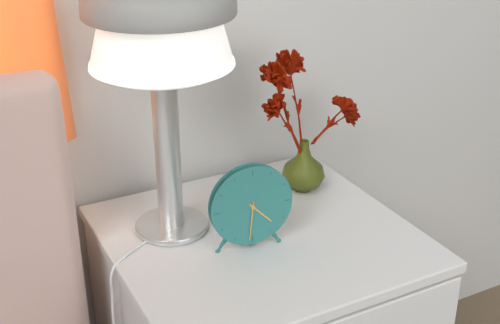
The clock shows **4:31**
